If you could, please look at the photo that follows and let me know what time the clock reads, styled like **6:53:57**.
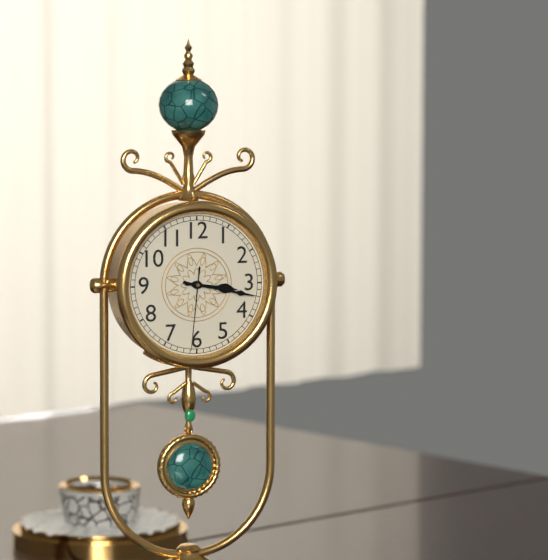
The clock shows **3:17:31**
